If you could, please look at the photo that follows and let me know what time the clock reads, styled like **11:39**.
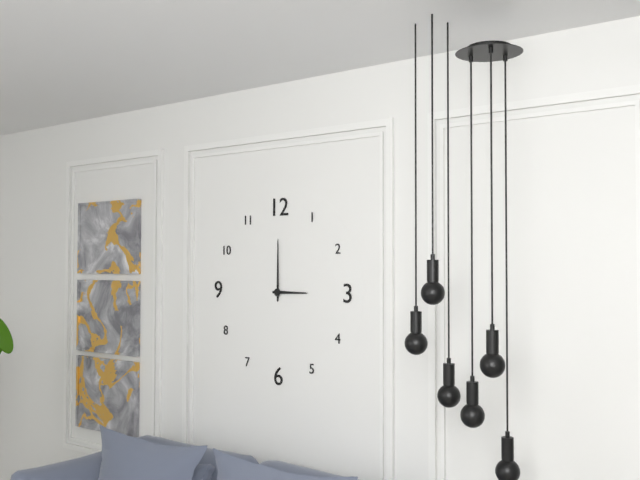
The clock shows **3:00**
